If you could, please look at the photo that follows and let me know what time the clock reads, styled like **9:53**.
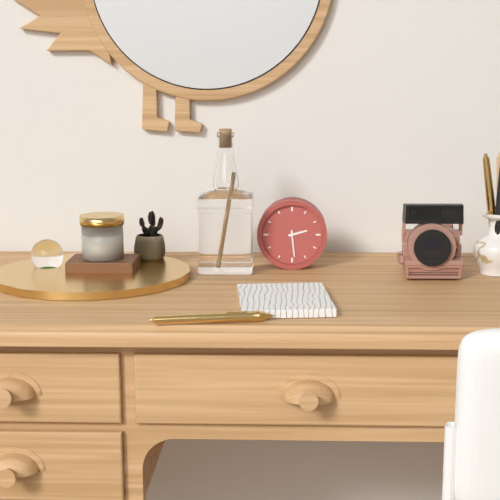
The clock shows **2:29**
